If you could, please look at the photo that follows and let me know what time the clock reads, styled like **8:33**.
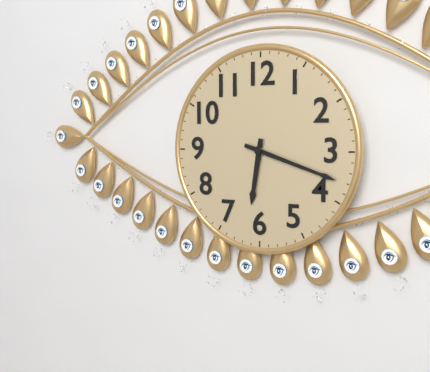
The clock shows **6:18**
